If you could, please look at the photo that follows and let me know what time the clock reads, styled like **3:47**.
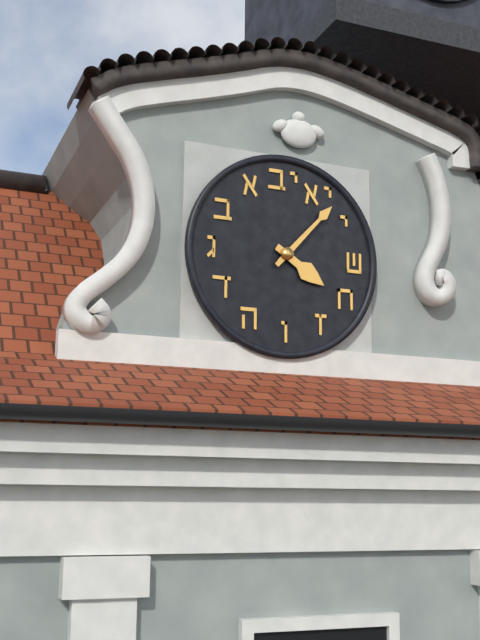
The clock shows **4:07**
